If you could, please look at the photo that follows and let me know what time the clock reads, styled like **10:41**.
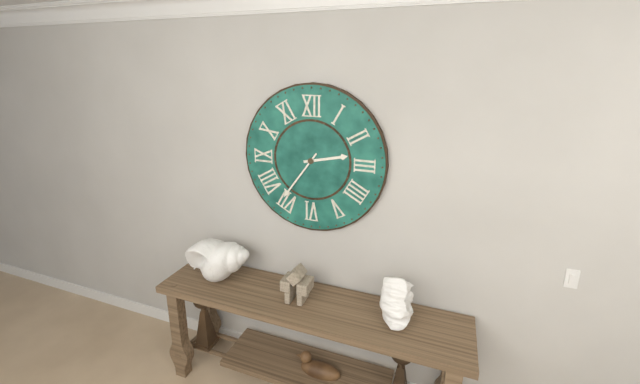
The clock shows **2:36**
